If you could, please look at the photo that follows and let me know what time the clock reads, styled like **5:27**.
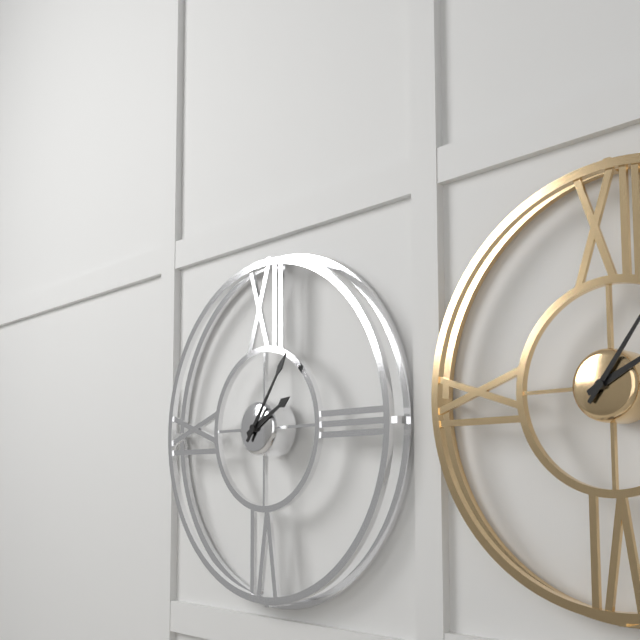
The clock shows **2:06**
